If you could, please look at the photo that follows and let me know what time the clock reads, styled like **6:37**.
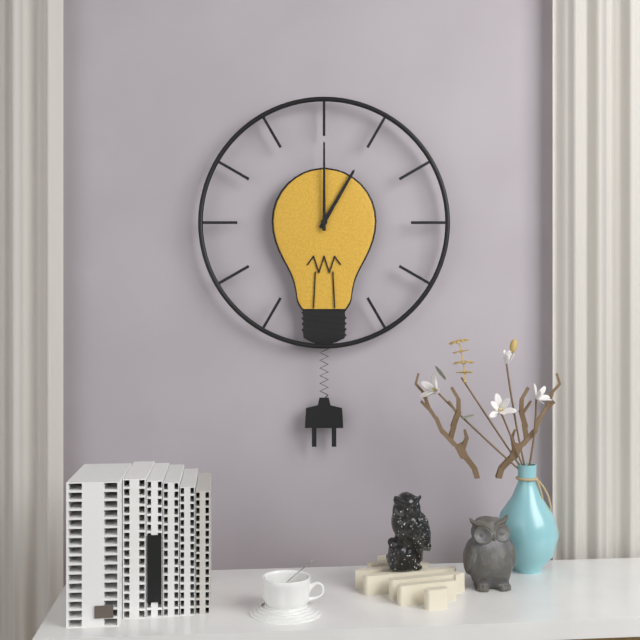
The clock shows **1:00**
